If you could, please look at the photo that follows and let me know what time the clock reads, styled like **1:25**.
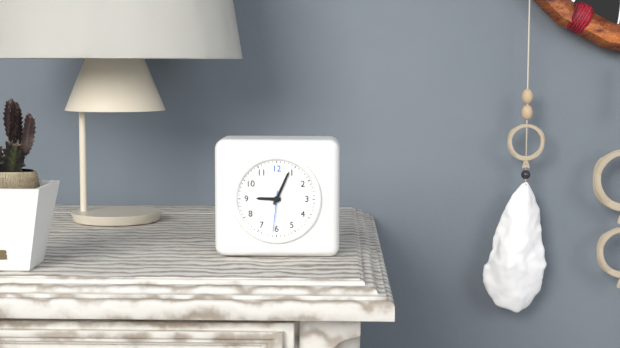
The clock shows **9:04**
